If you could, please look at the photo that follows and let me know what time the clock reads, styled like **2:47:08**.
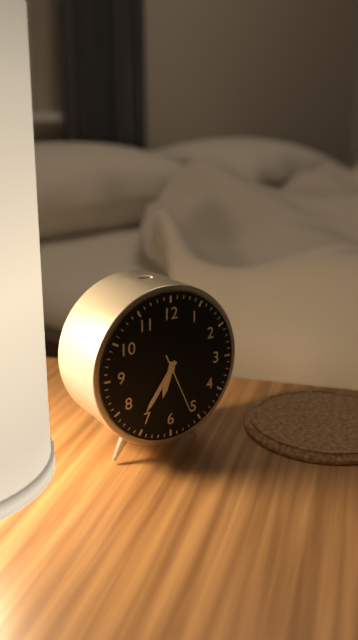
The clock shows **6:36:26**
